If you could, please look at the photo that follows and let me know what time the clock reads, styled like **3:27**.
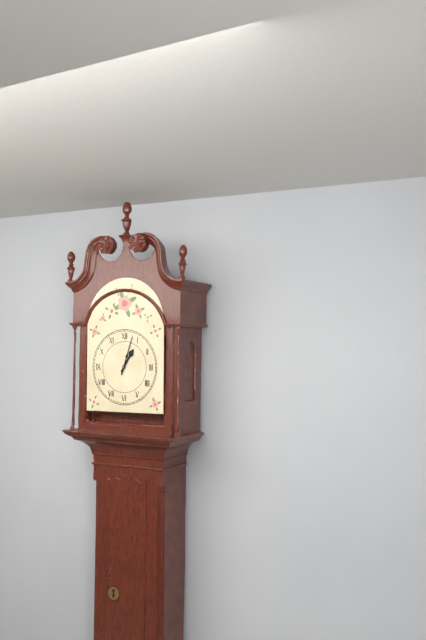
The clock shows **1:03**
